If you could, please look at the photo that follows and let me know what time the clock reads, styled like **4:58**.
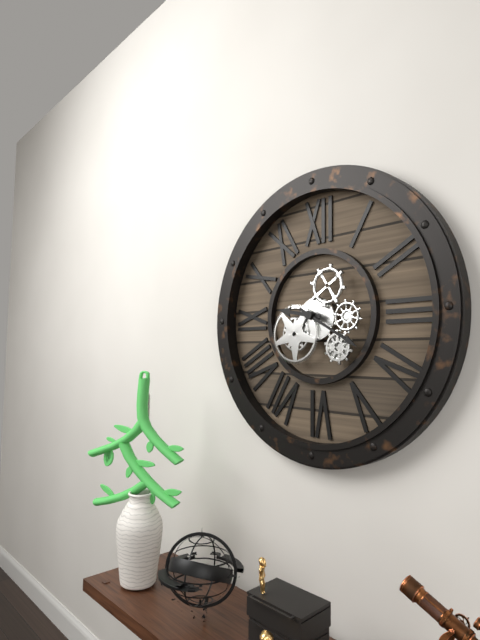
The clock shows **9:20**
